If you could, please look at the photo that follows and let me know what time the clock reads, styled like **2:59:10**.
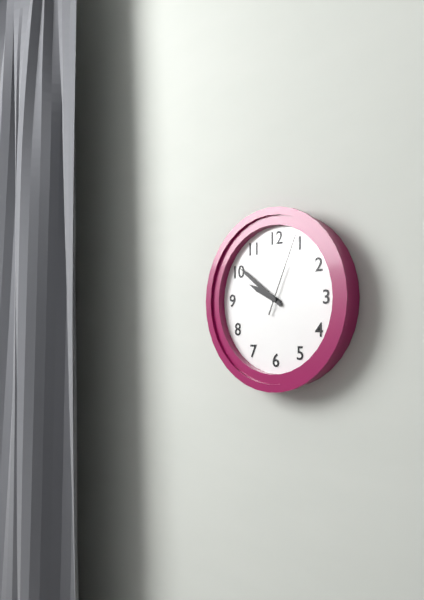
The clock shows **9:51:04**
